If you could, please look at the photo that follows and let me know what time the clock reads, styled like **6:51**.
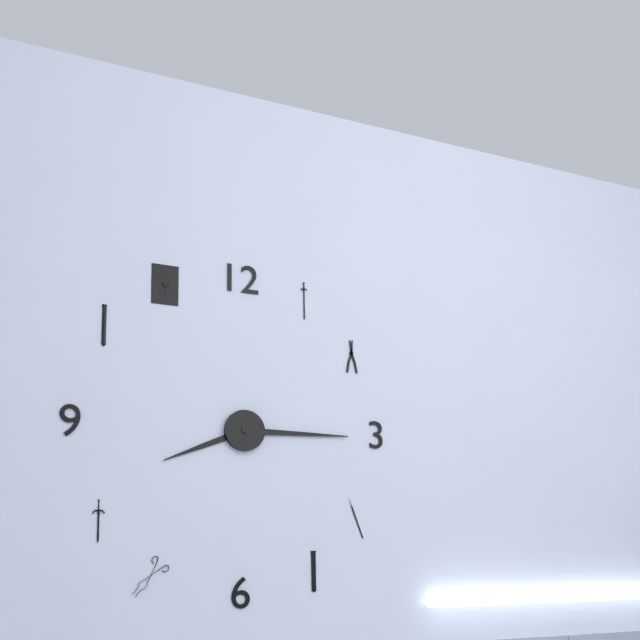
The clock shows **8:15**
